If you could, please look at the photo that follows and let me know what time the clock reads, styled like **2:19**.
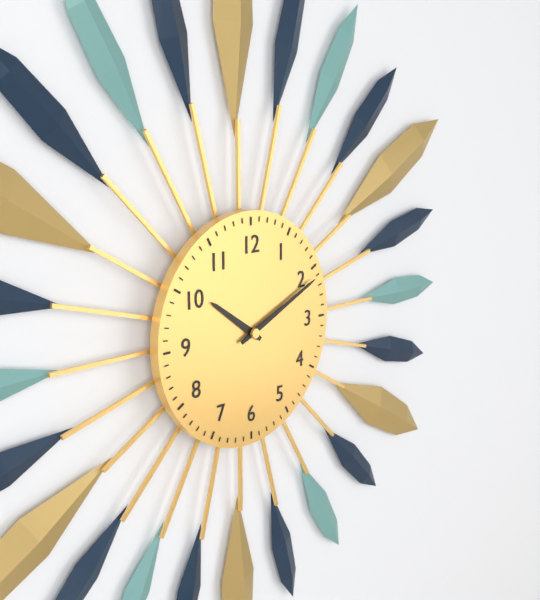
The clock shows **10:11**
